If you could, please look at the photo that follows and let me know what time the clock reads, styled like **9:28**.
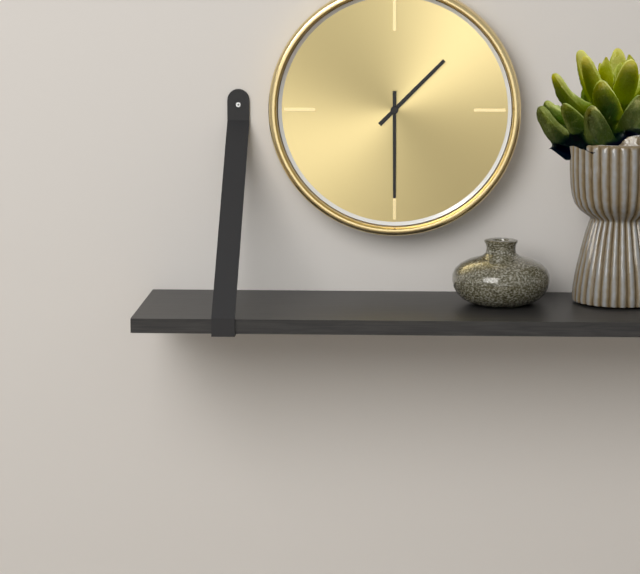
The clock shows **1:30**
